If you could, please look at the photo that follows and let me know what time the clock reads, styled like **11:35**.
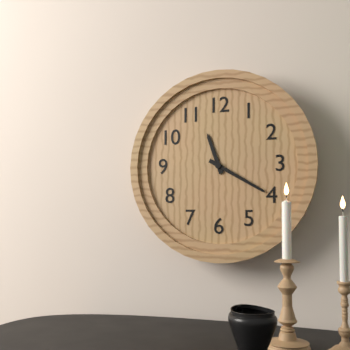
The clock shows **11:20**
